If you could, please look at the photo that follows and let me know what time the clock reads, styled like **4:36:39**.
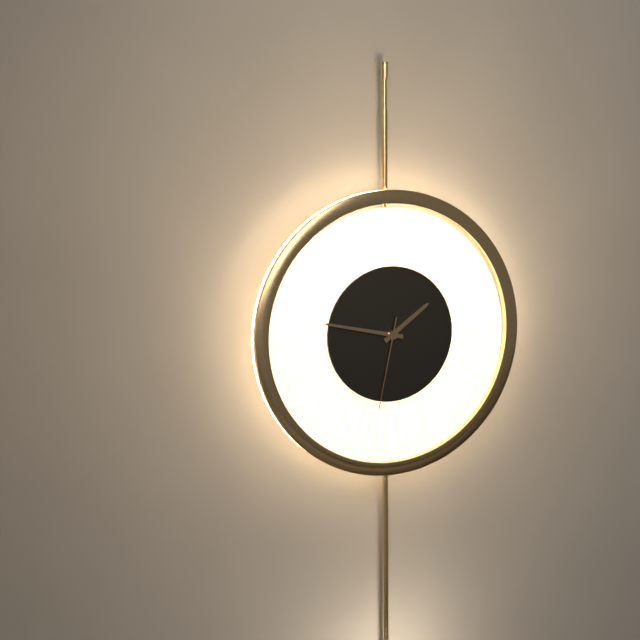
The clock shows **1:47:32**
